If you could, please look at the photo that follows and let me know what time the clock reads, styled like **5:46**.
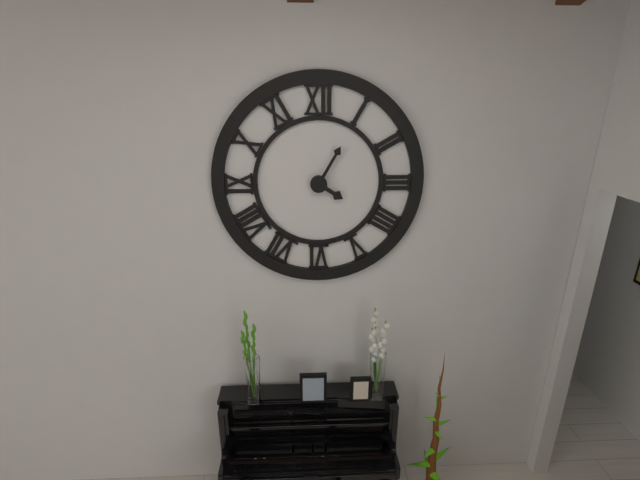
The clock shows **4:05**
